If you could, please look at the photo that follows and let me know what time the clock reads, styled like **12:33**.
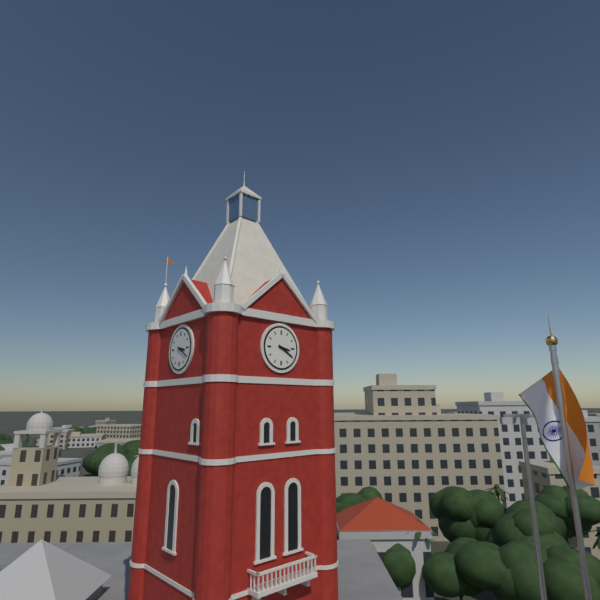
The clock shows **3:20**
